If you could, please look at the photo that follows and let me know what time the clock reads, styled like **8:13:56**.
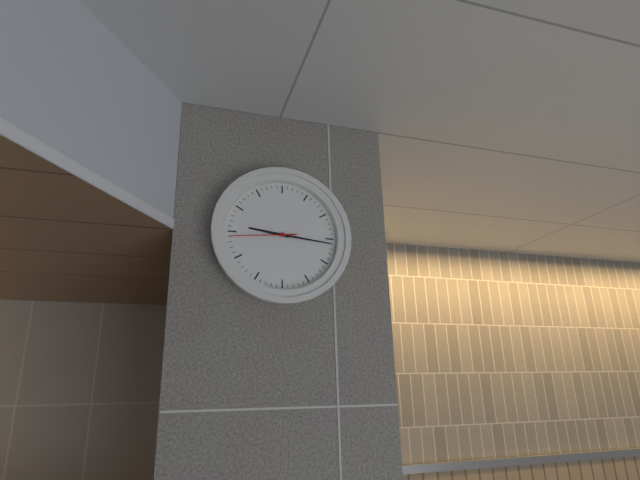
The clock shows **9:16:44**
